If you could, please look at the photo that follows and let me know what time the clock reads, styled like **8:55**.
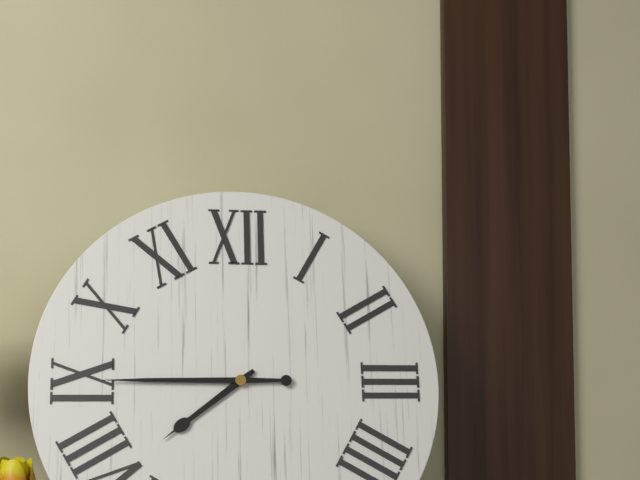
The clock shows **7:45**
